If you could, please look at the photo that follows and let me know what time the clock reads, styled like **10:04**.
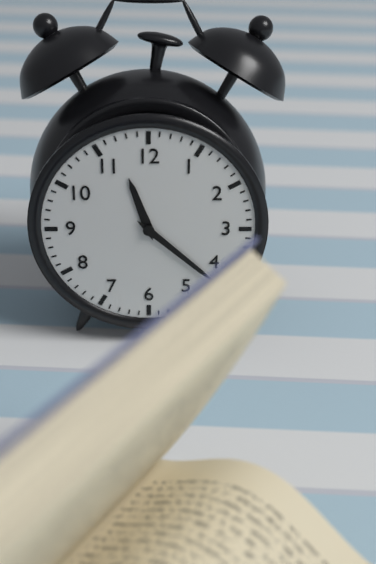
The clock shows **11:22**
